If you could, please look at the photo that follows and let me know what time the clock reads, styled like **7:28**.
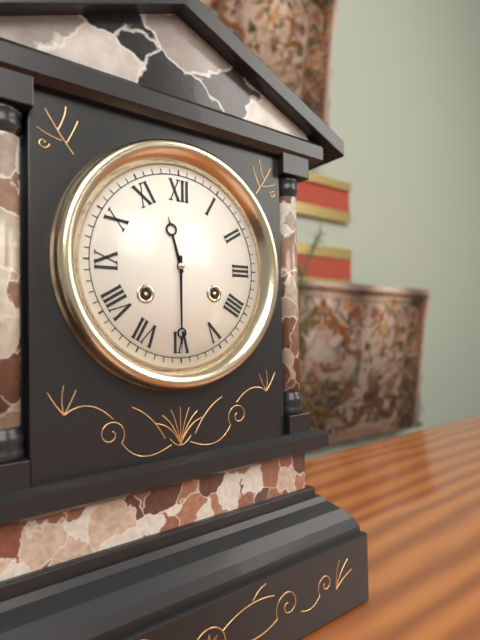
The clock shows **11:30**
